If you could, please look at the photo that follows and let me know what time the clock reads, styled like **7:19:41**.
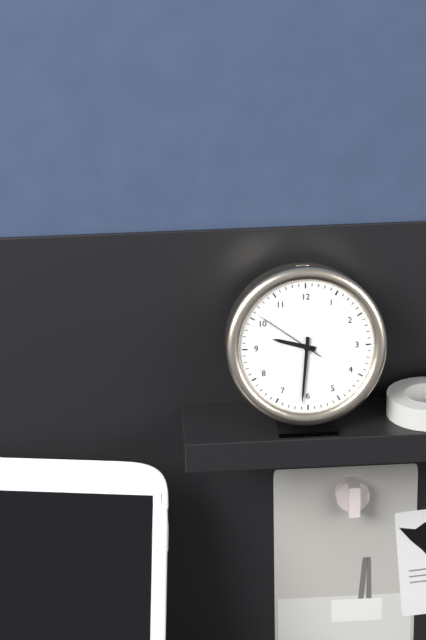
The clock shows **9:31:51**
